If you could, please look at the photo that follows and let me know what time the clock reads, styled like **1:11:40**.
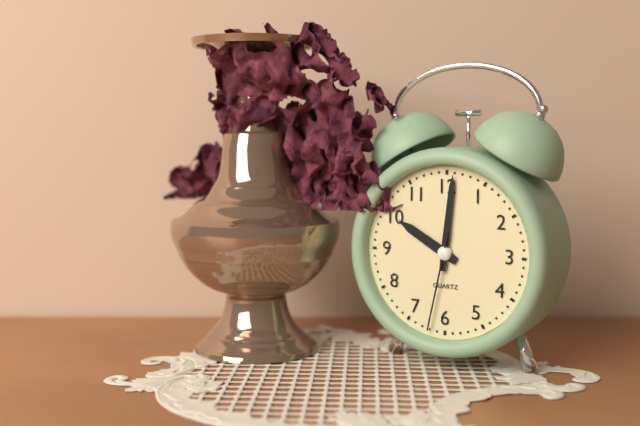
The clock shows **10:01:32**
